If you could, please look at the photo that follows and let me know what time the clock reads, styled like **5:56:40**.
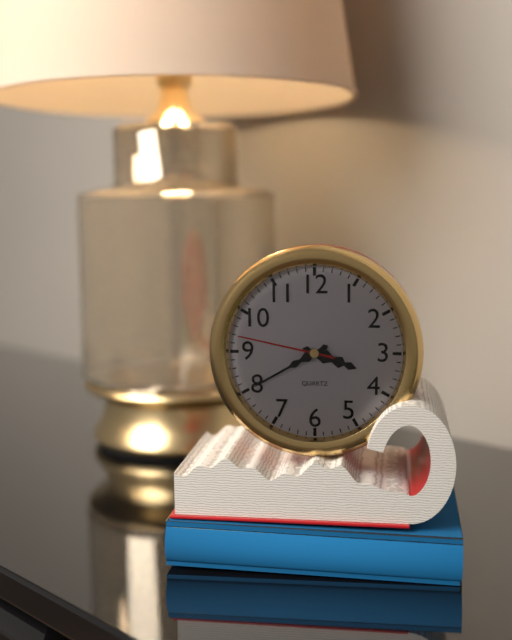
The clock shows **3:40:47**
